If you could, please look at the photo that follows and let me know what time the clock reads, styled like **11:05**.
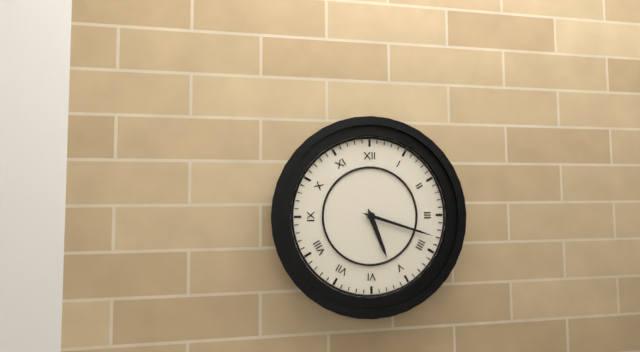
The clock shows **5:18**
